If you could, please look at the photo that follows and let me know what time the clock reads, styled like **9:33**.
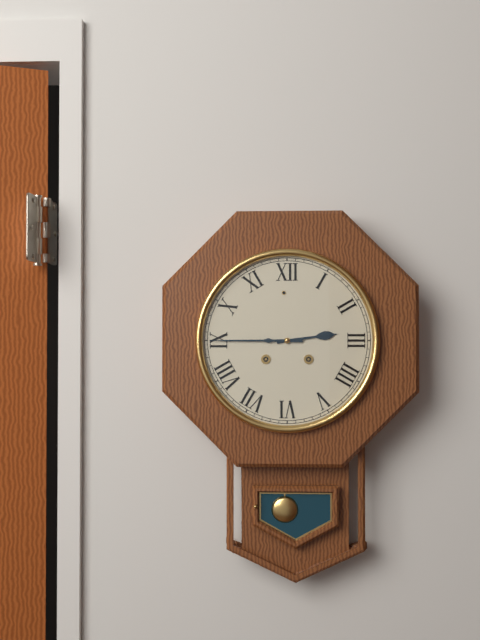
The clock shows **2:45**
